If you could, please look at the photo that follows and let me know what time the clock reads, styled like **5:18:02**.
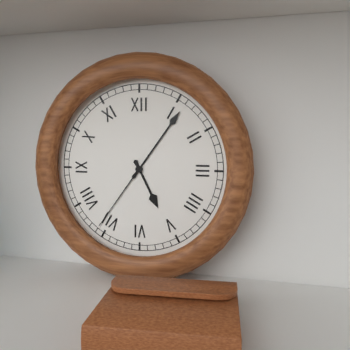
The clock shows **5:06:36**
